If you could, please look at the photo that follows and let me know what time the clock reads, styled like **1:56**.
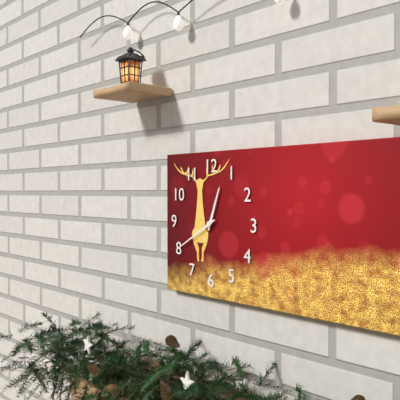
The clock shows **12:40**
